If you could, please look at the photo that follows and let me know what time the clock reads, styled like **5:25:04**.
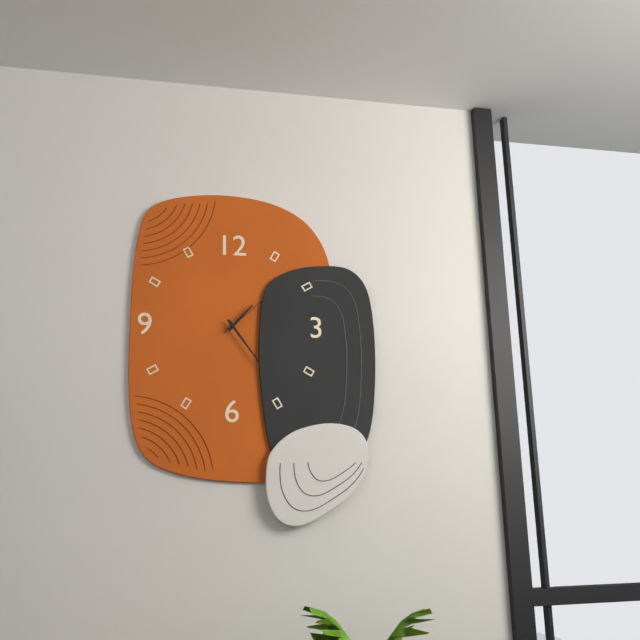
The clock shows **1:24:08**
